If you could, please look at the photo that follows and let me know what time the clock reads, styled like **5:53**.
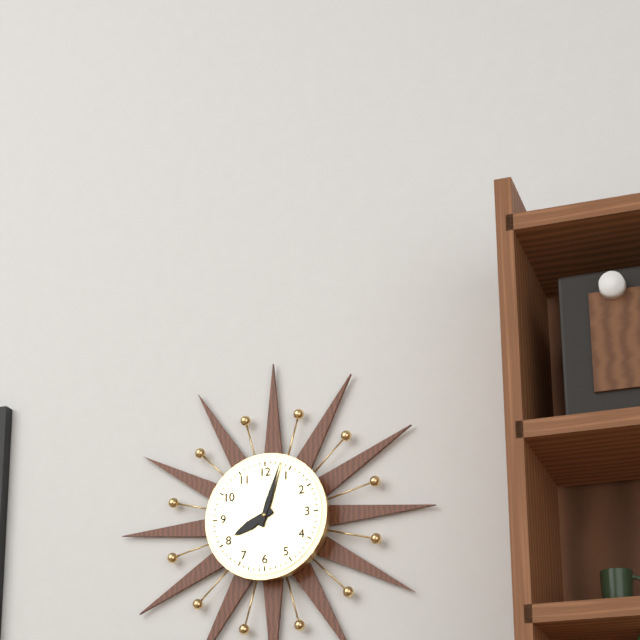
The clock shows **8:03**
